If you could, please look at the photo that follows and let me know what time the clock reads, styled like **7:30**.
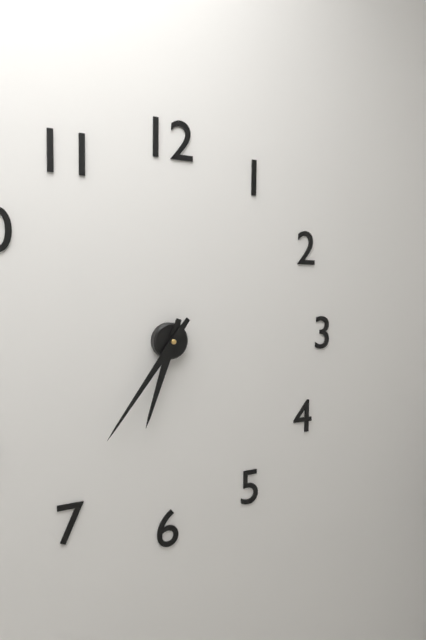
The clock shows **6:36**
